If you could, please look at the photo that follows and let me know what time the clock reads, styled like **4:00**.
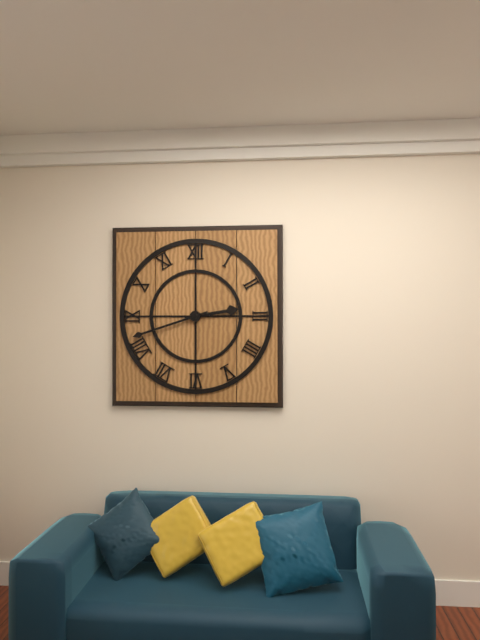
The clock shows **2:42**
